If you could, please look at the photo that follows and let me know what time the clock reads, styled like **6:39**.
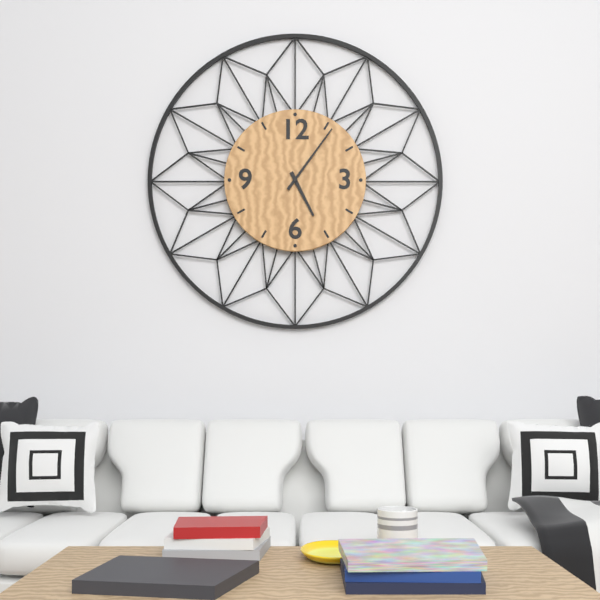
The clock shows **5:06**
